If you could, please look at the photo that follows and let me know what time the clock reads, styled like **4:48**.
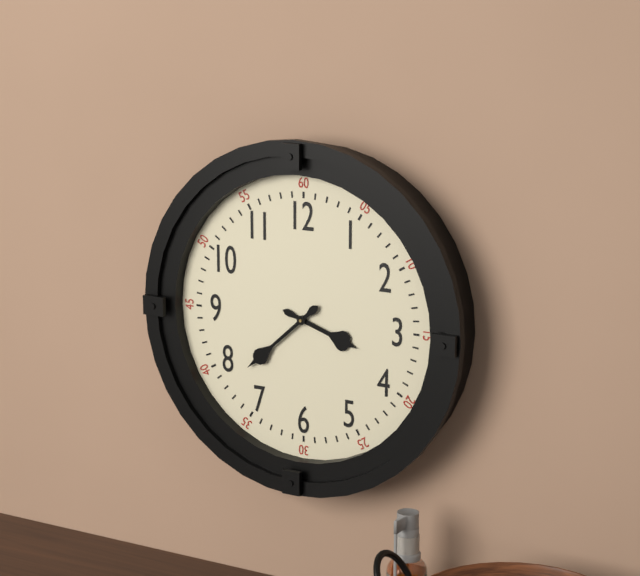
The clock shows **3:38**
